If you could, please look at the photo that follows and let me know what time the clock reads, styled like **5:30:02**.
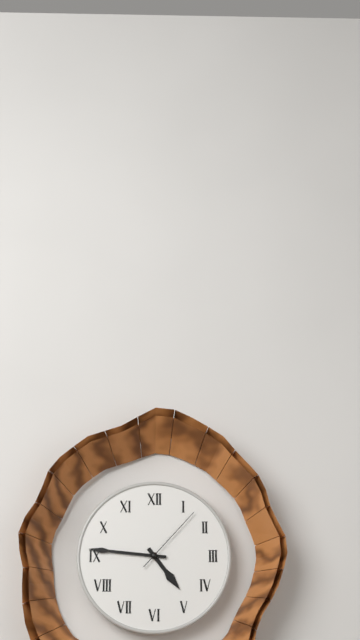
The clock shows **4:46:07**
